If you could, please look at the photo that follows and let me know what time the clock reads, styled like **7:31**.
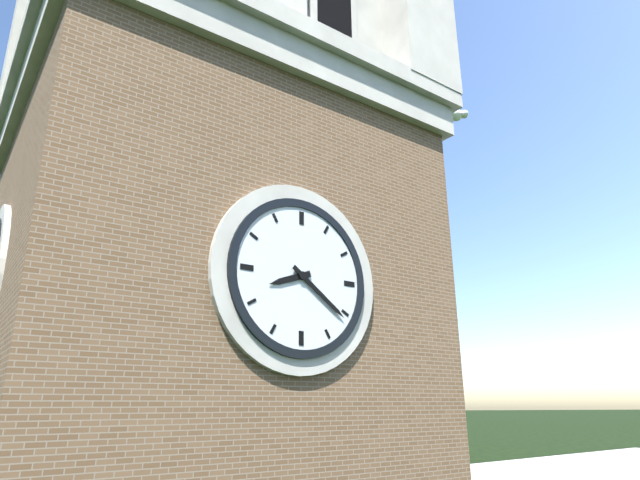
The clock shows **8:21**
